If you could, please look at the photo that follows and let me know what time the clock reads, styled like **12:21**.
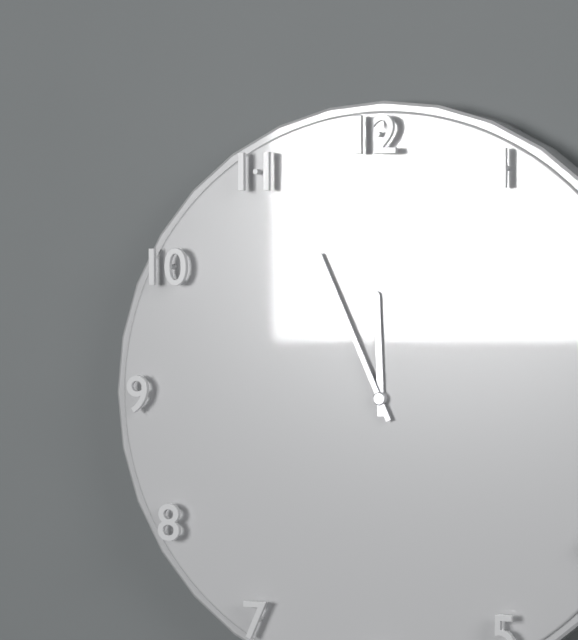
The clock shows **11:56**
